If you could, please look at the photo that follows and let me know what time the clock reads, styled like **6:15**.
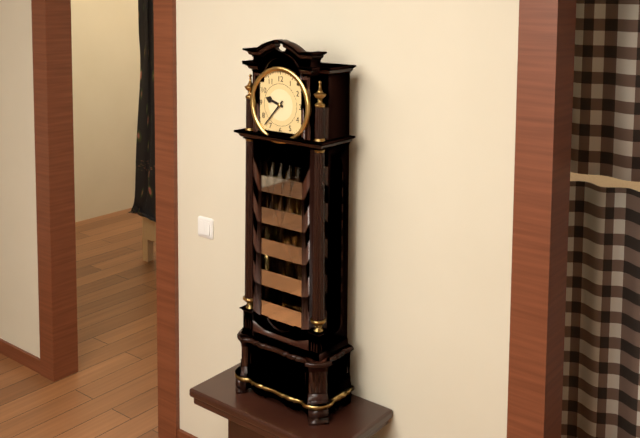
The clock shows **9:37**
